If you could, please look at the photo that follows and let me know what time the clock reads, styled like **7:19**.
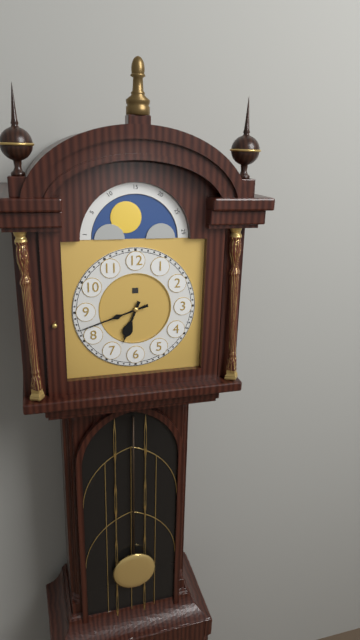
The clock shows **6:42**
